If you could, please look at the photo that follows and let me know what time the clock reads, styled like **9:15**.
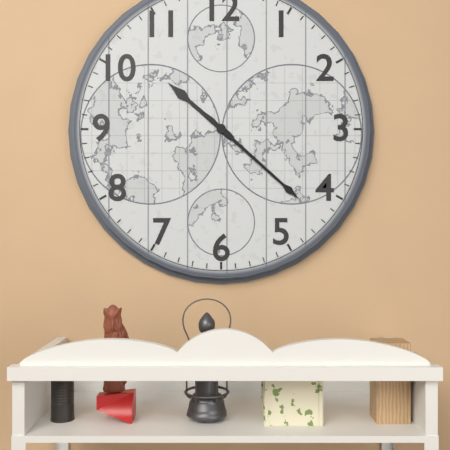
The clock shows **10:22**
